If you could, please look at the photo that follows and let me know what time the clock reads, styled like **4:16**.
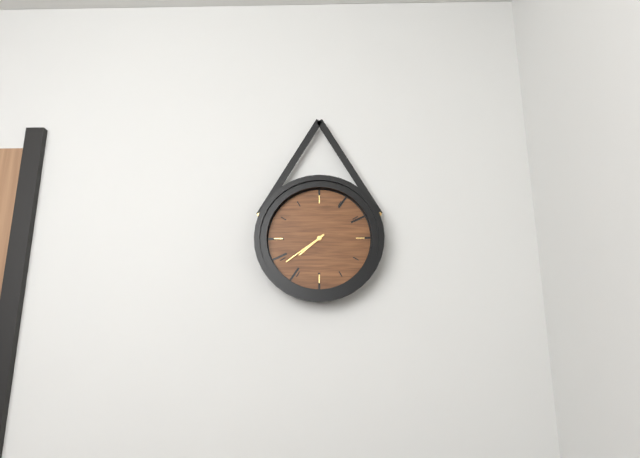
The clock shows **7:39**
